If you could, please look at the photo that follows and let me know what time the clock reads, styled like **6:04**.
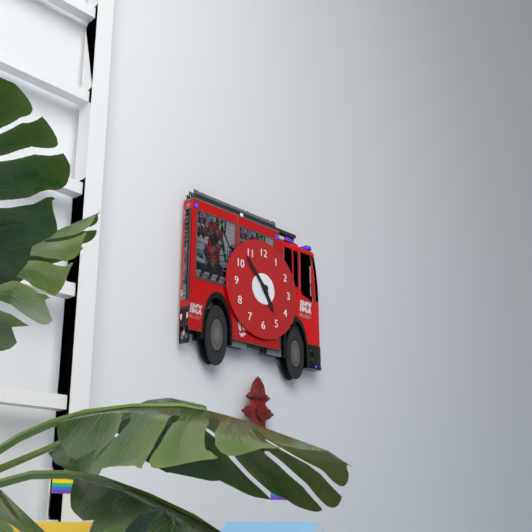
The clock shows **4:53**
